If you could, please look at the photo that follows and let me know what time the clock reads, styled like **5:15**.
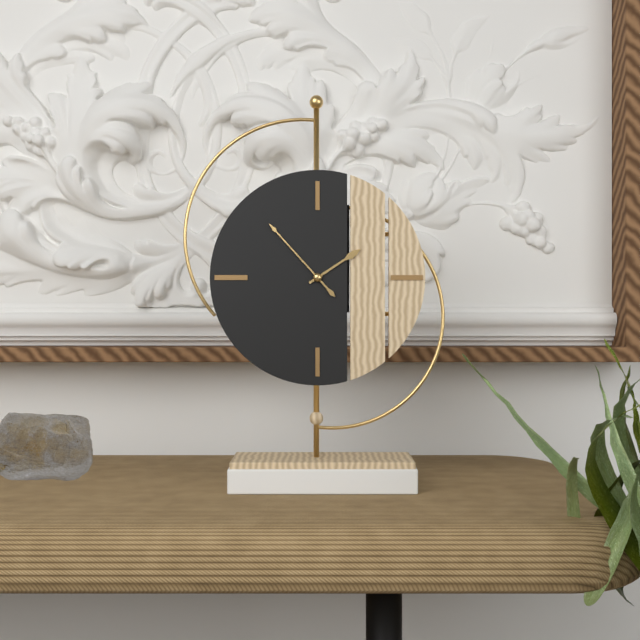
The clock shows **1:53**
